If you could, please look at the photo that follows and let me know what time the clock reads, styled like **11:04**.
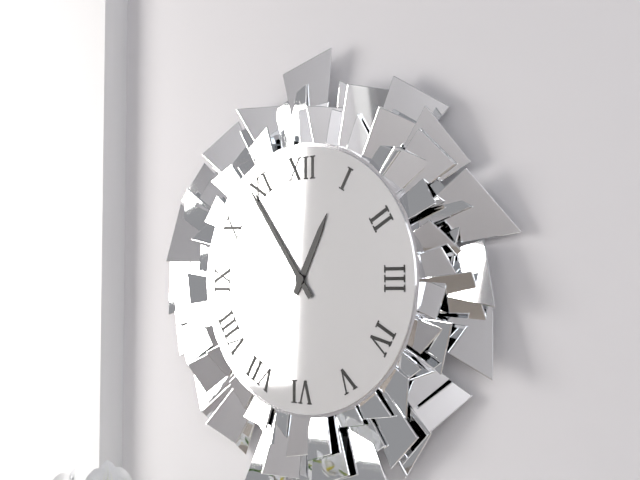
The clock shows **12:54**
